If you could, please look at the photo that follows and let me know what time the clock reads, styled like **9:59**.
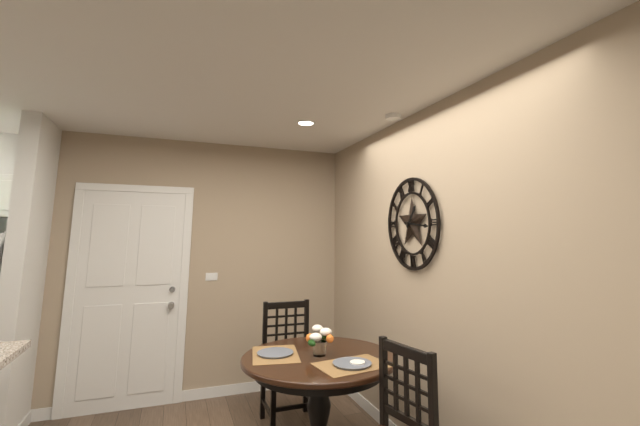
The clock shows **1:16**
